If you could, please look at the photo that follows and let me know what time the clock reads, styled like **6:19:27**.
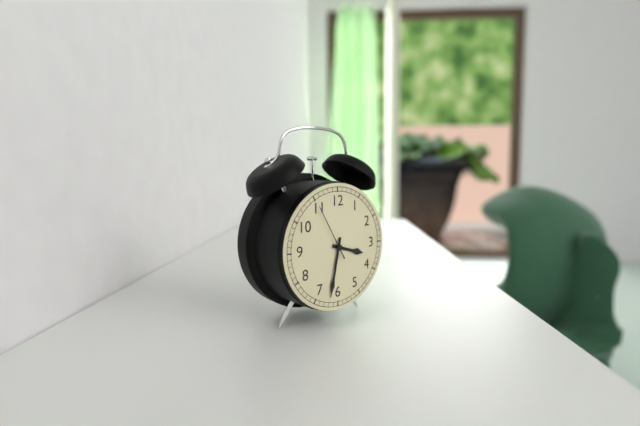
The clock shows **3:32:55**
